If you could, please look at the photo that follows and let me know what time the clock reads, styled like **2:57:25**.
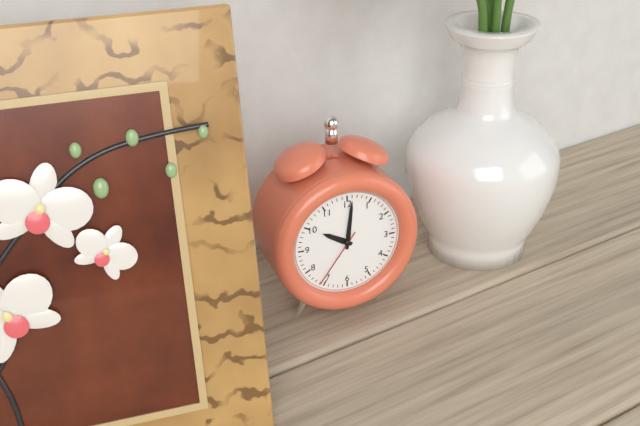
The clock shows **10:01:36**
